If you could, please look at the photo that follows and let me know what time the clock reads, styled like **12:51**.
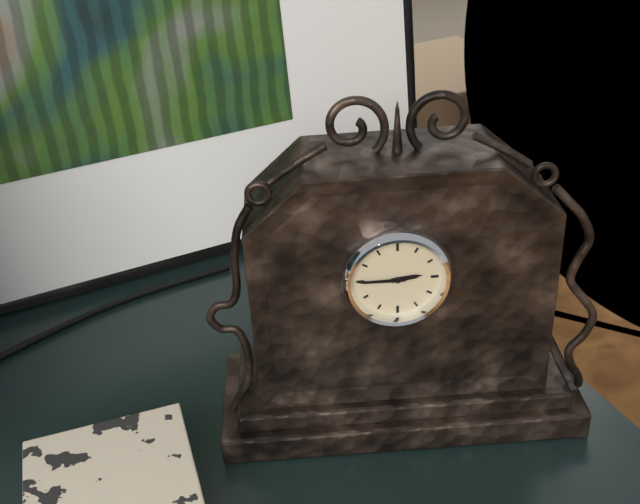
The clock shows **2:45**
